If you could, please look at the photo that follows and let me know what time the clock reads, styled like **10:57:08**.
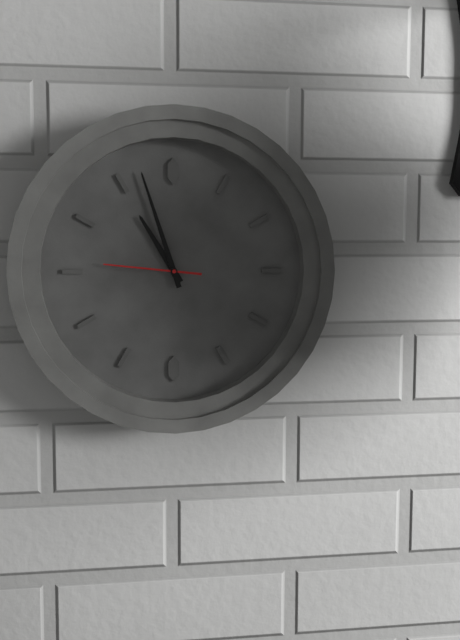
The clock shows **10:57:46**
